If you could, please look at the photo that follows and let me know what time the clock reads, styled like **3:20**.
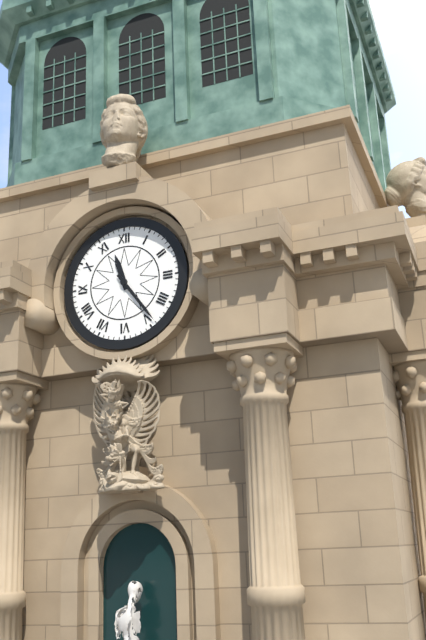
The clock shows **11:24**
